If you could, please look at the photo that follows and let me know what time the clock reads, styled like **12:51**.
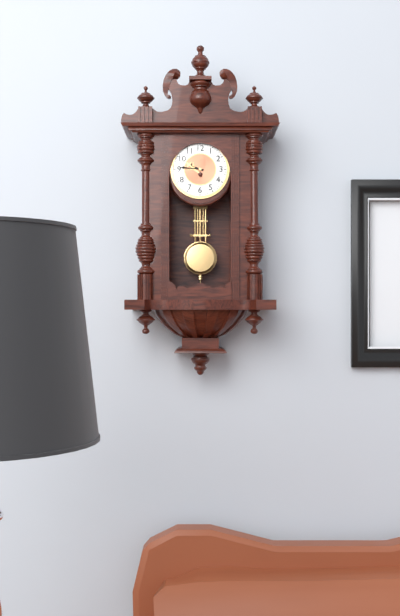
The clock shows **9:46**
